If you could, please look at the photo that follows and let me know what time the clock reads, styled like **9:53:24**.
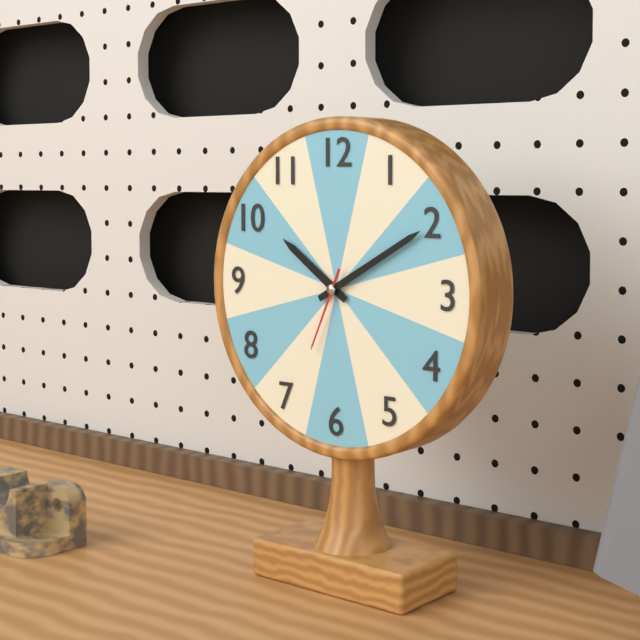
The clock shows **10:10:34**
